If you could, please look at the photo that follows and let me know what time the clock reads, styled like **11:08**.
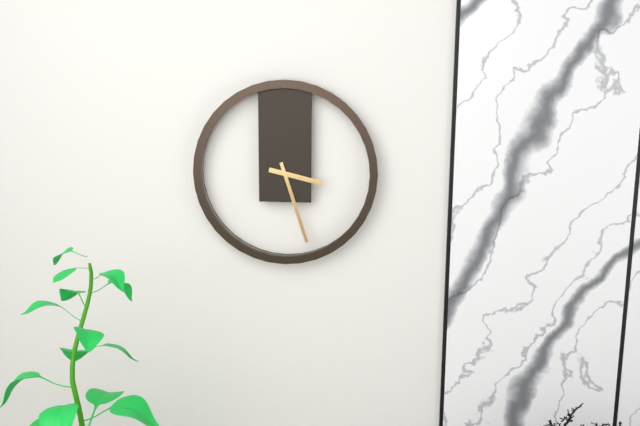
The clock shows **3:27**
